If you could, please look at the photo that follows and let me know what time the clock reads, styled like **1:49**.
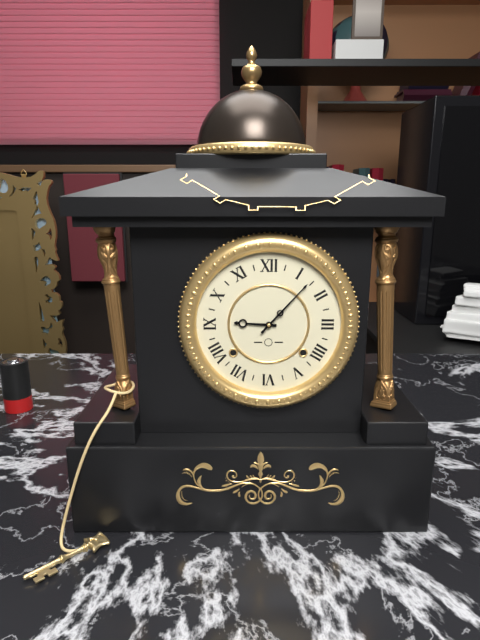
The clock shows **9:07**
